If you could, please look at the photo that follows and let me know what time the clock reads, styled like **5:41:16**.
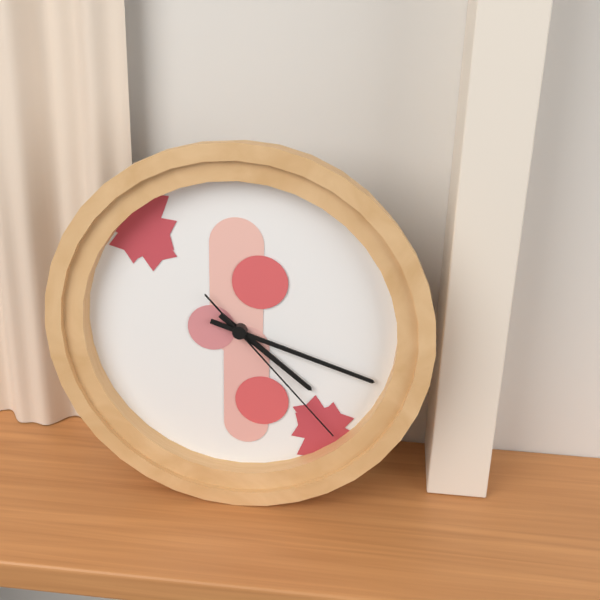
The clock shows **4:18:23**
